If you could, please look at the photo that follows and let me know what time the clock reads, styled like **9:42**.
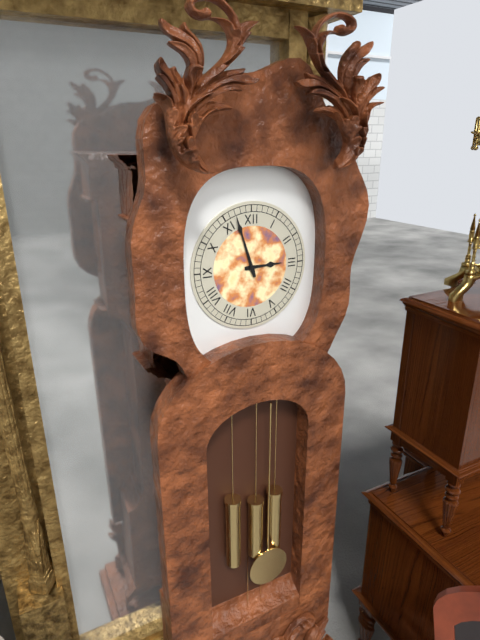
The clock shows **2:57**
